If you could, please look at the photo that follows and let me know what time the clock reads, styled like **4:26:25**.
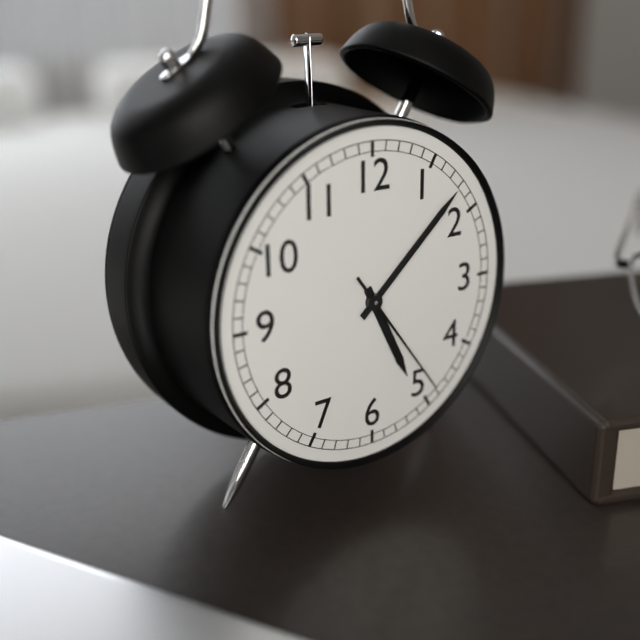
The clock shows **5:08:24**
